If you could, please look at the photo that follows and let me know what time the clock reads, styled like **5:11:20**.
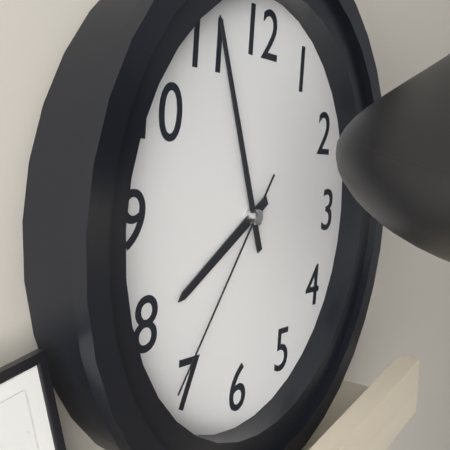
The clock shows **7:56:36**
